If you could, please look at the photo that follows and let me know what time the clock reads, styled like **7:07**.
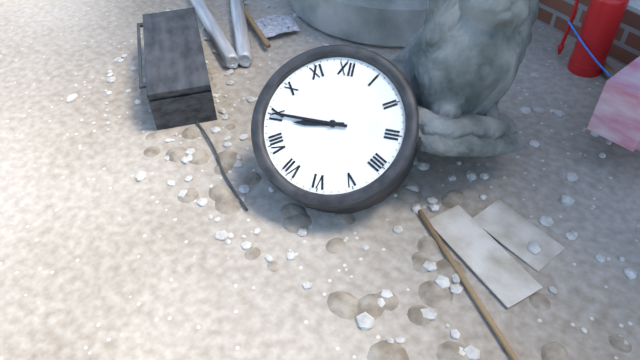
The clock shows **8:45**
